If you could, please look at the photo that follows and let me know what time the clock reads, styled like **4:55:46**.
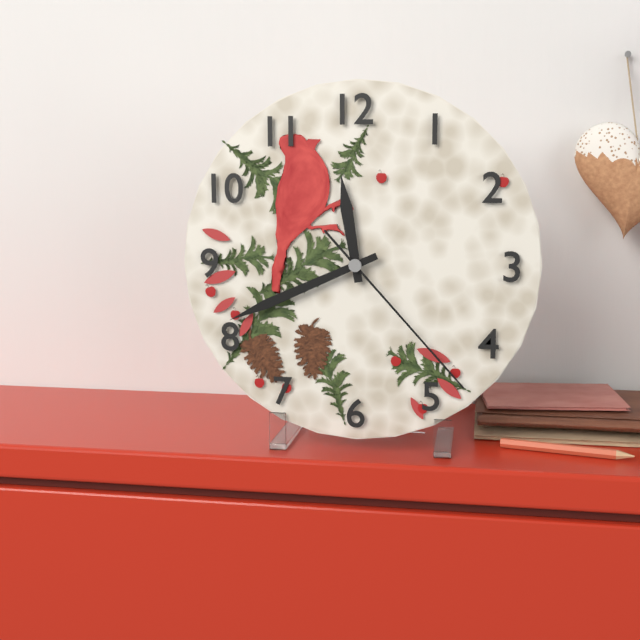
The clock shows **11:41:23**
